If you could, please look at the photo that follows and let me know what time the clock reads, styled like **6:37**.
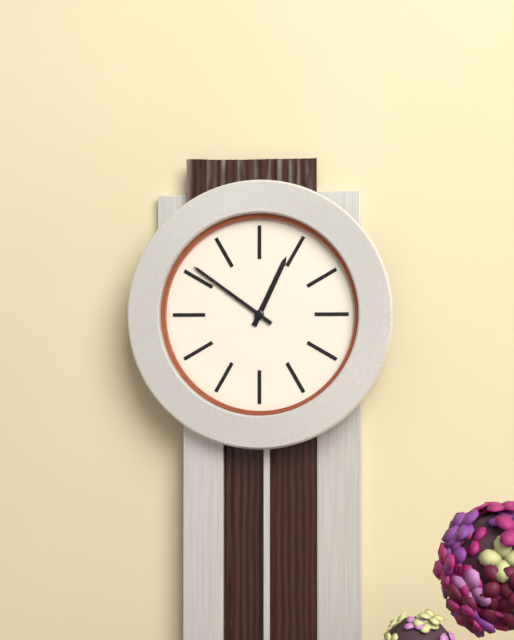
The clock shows **12:51**
